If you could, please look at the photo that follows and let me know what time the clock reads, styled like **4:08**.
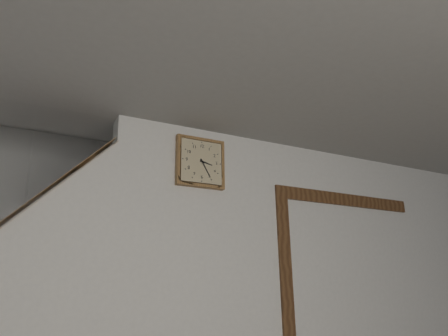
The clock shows **3:25**
